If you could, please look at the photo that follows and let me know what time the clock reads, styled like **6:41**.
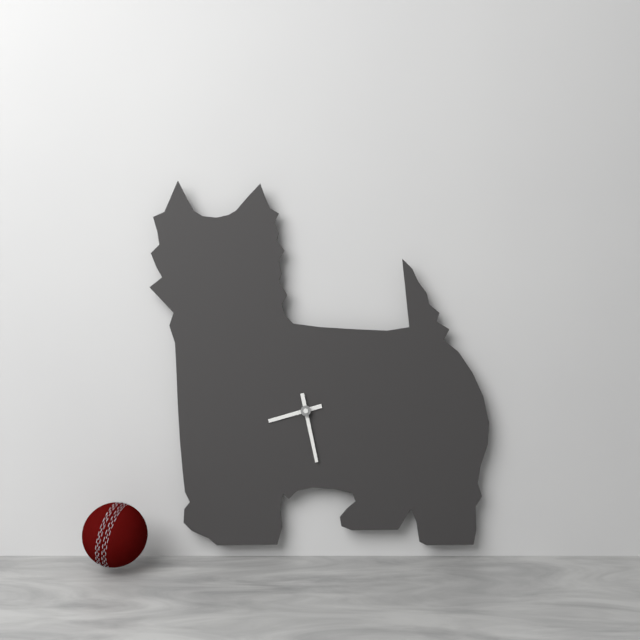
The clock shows **8:28**
